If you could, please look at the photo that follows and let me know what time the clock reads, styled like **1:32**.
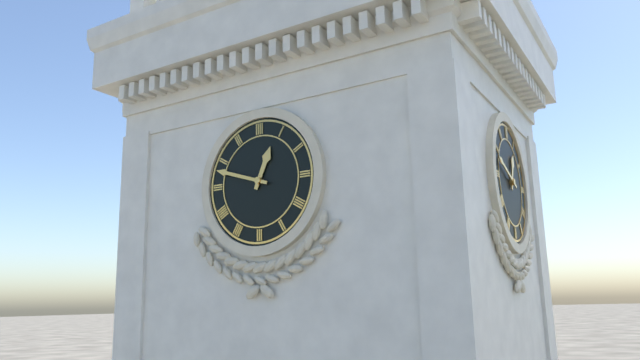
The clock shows **12:48**
